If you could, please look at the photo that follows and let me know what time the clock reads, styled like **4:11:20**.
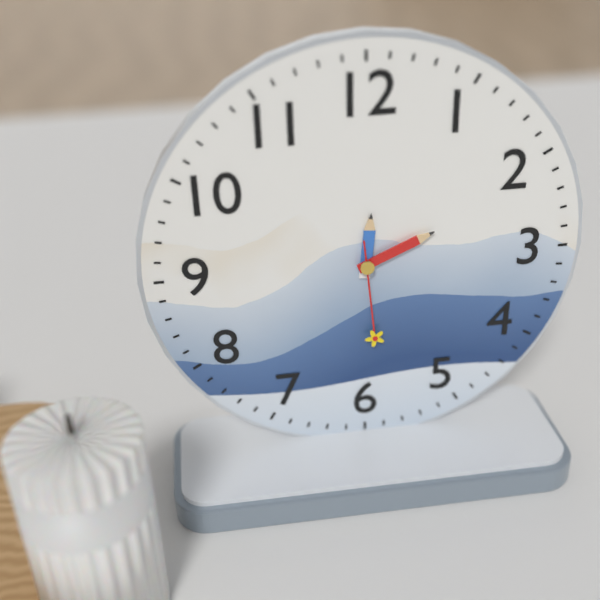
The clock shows **12:11:29**
